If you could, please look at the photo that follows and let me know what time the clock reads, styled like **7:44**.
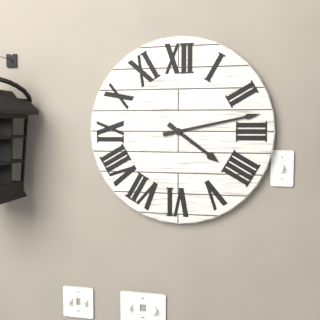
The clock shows **4:13**
